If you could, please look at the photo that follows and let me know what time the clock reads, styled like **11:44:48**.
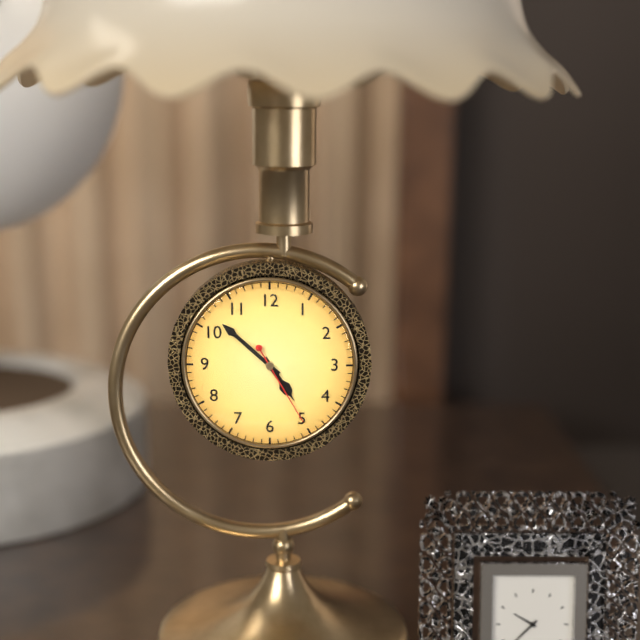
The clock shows **4:52:25**
